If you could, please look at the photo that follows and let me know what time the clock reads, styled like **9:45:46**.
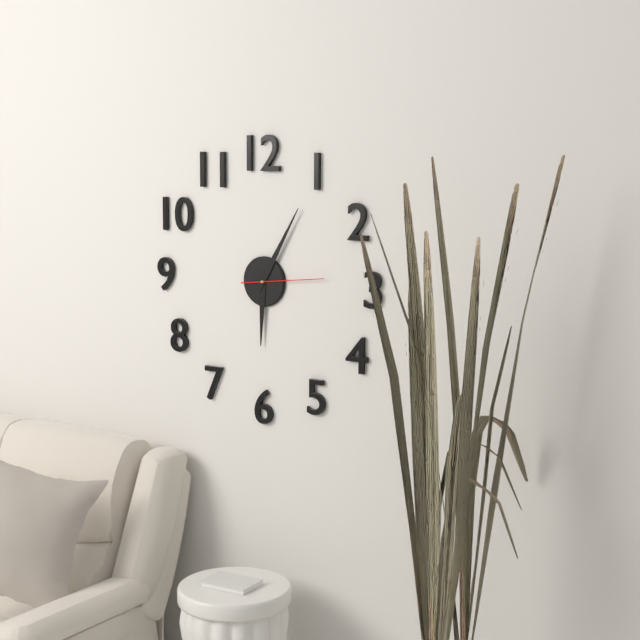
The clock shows **6:05:14**
